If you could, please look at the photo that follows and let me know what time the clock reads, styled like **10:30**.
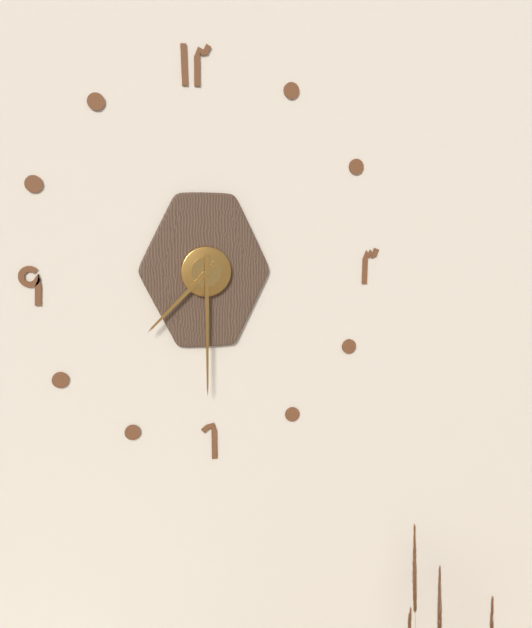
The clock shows **7:30**
